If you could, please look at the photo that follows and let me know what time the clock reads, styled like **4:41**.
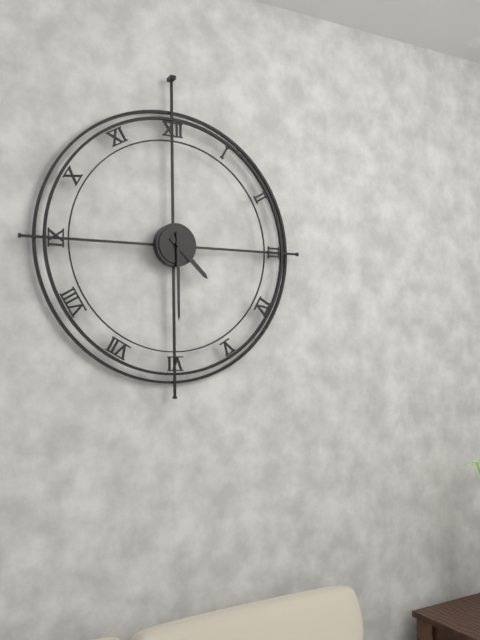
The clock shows **4:30**
